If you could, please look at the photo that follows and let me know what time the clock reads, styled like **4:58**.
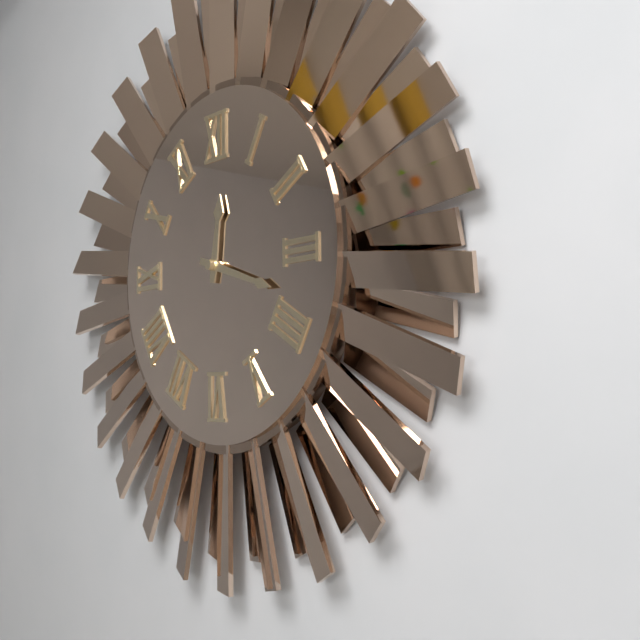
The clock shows **12:18**
